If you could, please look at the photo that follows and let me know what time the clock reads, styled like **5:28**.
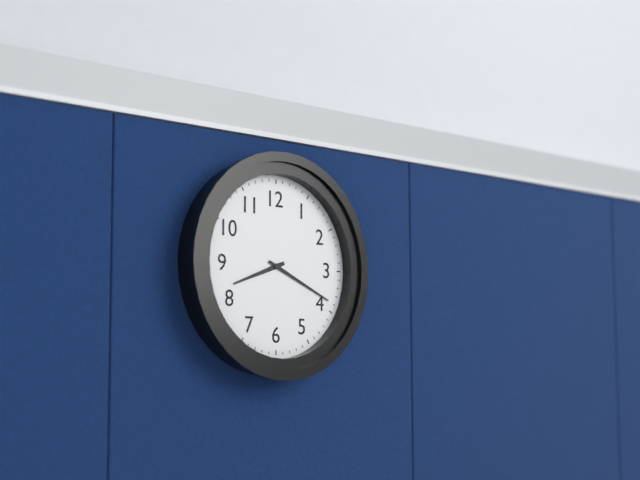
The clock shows **8:19**
